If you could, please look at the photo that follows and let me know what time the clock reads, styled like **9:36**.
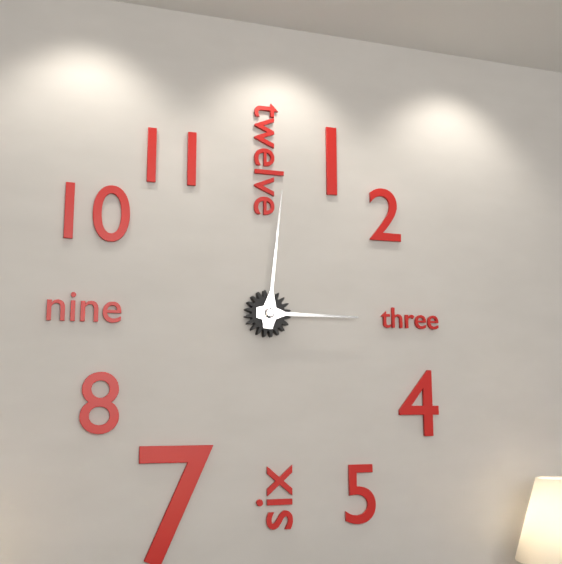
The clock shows **3:01**
